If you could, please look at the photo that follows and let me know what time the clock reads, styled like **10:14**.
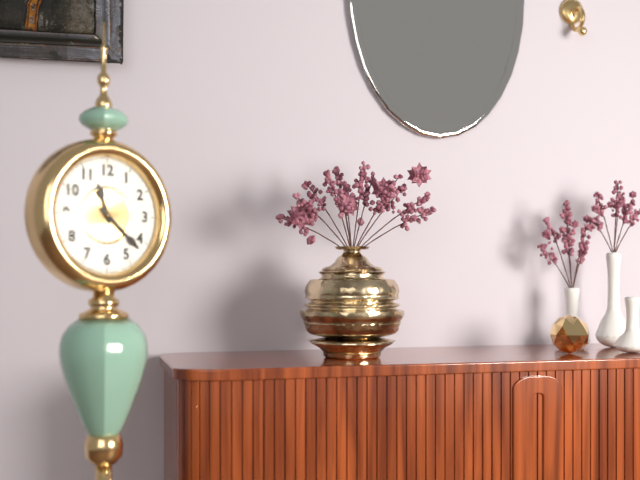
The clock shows **11:22**
